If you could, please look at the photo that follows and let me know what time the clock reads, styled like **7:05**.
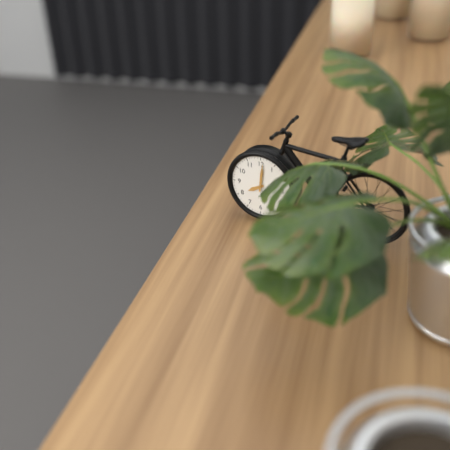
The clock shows **8:01**
